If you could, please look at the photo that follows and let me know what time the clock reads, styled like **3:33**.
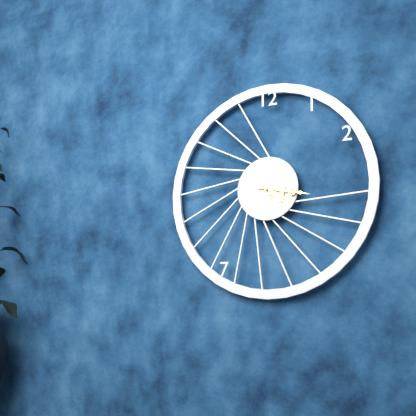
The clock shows **4:17**
